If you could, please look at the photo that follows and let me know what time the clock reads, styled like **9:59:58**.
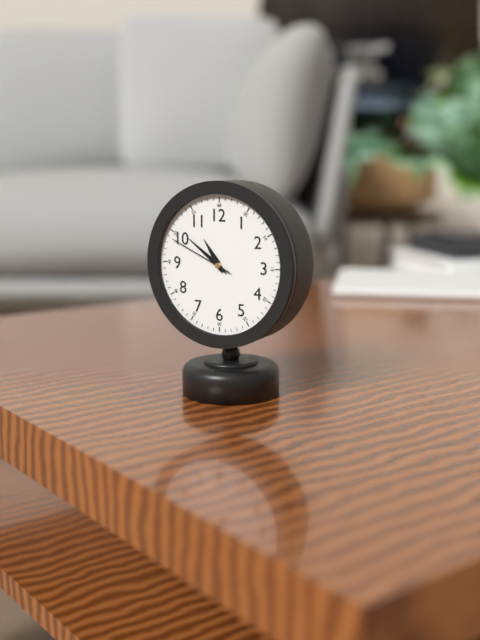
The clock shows **10:51:49**
